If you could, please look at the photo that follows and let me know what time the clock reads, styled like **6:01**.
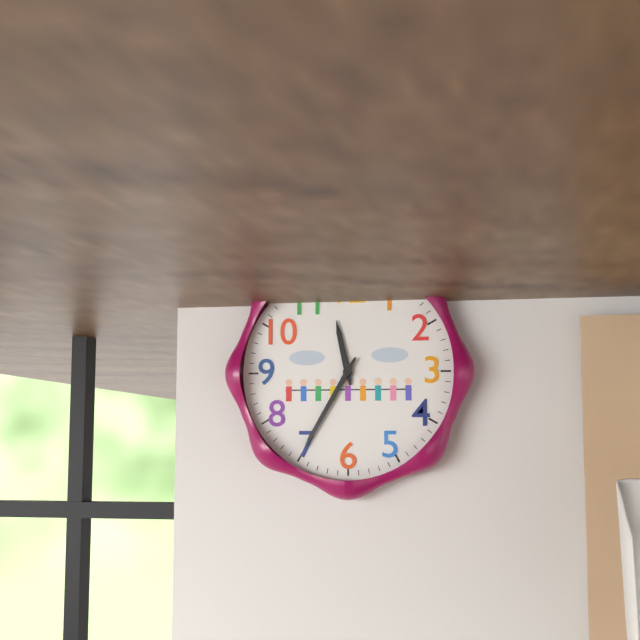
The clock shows **11:35**
